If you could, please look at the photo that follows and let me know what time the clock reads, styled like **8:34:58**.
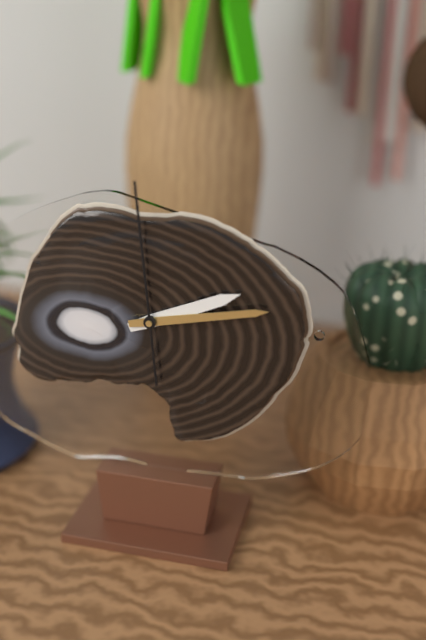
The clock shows **2:13:59**
